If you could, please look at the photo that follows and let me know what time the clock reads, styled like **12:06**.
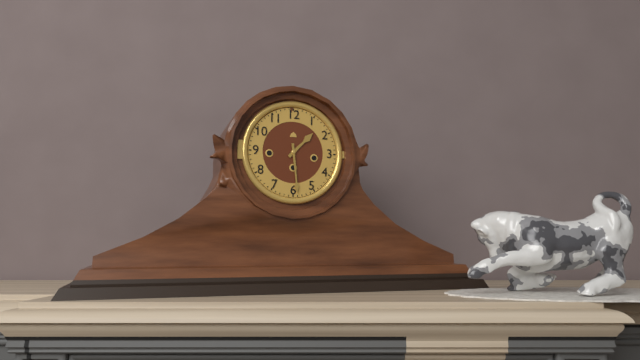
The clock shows **1:29**
